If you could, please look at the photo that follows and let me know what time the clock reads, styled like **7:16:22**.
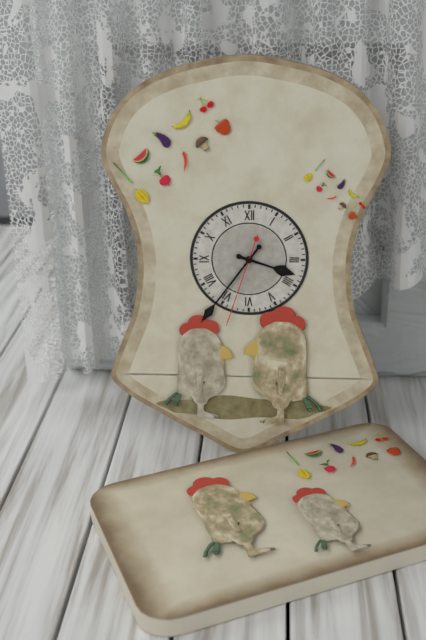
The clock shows **3:36:33**
